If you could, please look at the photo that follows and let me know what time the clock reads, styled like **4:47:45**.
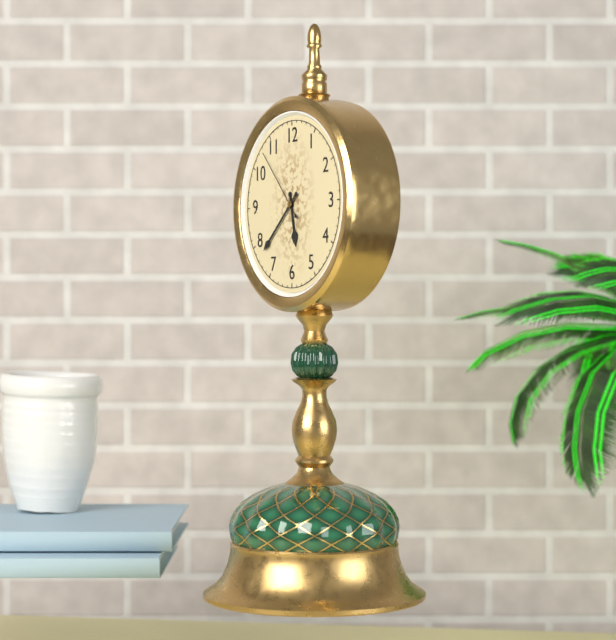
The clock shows **5:38:53**
